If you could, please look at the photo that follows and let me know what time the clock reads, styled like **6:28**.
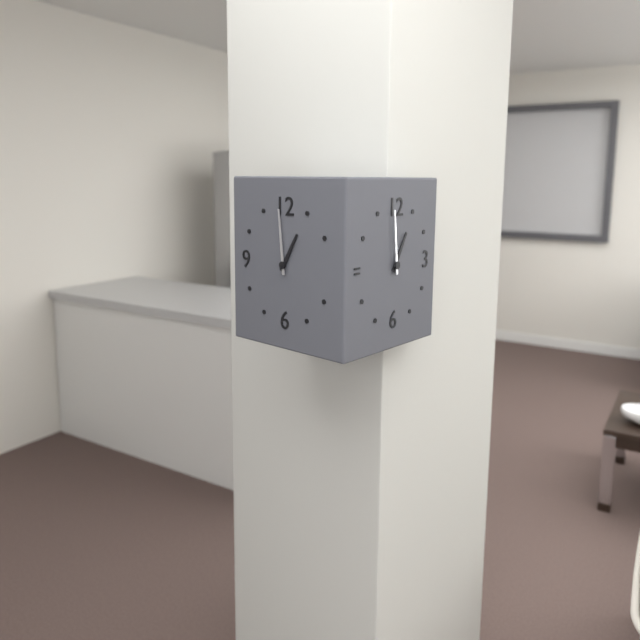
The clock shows **12:59**
